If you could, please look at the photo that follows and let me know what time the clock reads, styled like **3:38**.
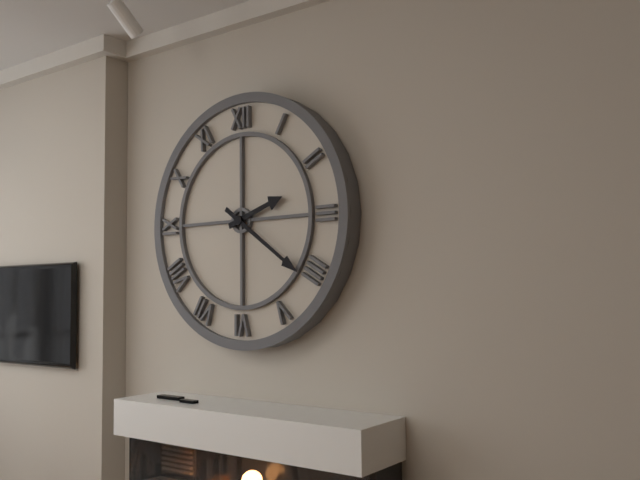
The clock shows **2:21**
